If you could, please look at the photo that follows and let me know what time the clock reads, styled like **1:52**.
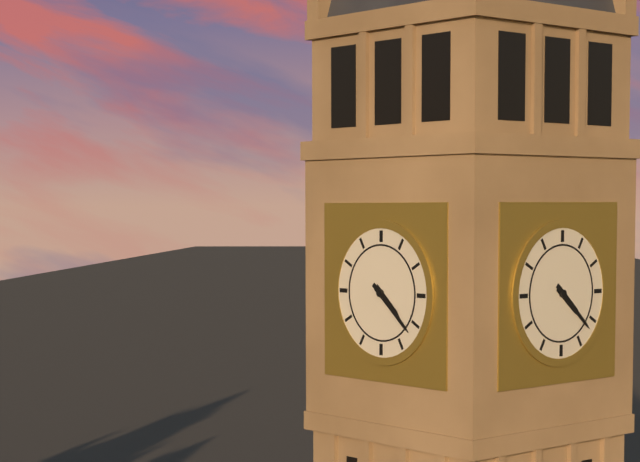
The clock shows **4:22**
